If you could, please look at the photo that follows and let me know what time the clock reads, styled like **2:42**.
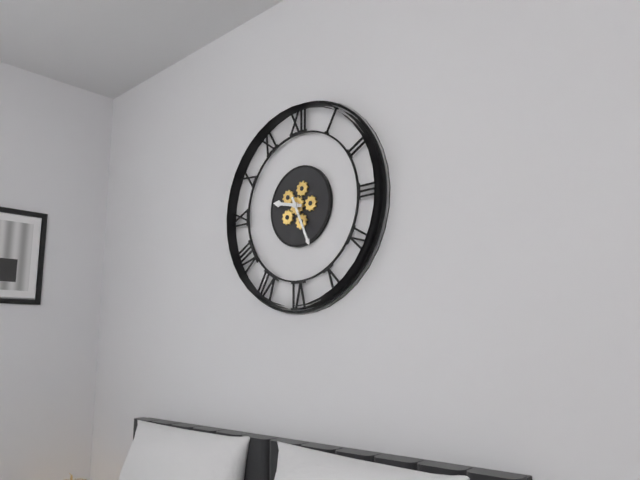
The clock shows **9:26**
